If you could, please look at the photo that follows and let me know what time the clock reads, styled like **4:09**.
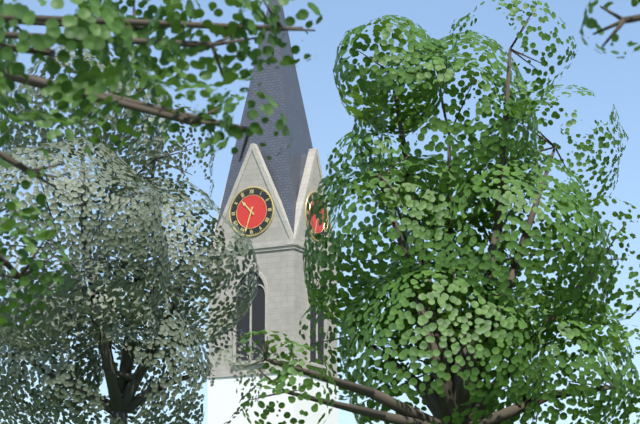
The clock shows **10:33**
